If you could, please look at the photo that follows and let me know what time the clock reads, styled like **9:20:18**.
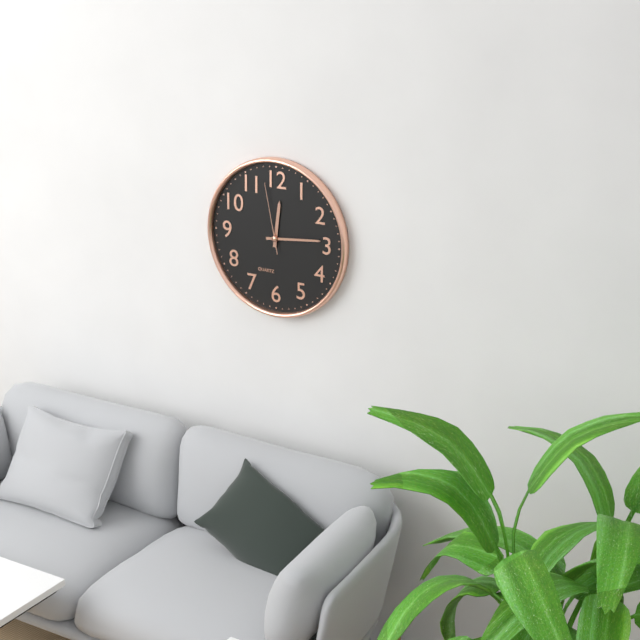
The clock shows **12:14:58**
